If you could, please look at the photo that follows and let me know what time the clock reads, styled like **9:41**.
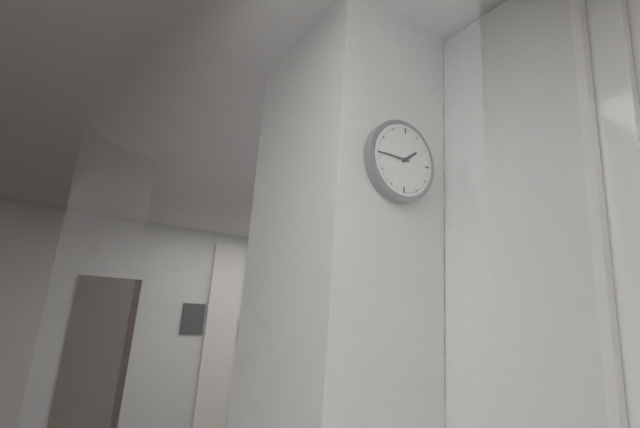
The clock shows **1:45**
